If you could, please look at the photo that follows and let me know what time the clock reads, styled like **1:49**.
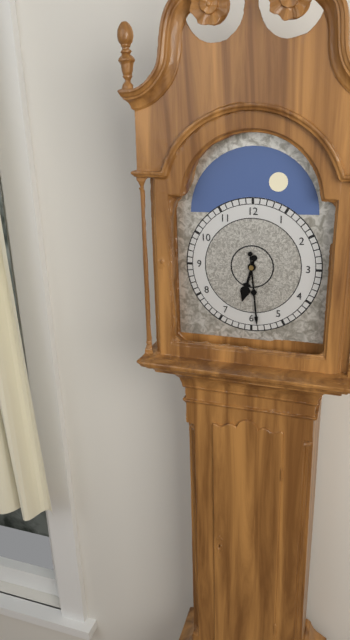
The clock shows **6:29**
